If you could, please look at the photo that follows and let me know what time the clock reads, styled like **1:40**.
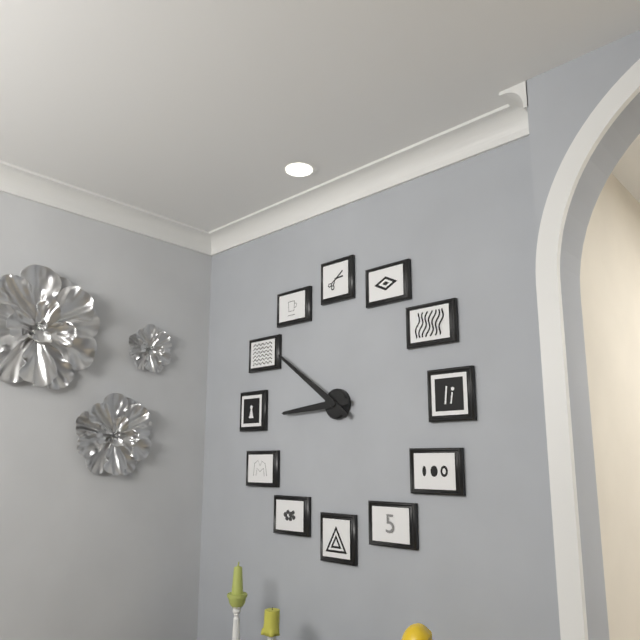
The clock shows **8:51**
